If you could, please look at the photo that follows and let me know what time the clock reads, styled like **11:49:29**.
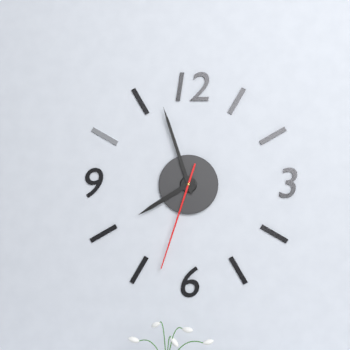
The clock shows **7:57:33**
